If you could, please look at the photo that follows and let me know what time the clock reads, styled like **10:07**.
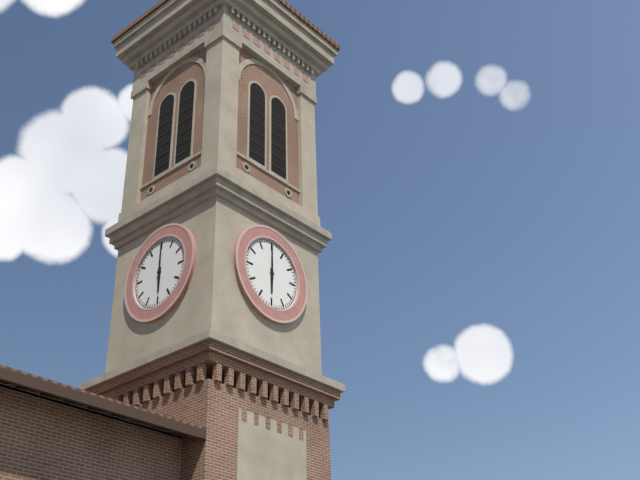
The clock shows **6:00**
